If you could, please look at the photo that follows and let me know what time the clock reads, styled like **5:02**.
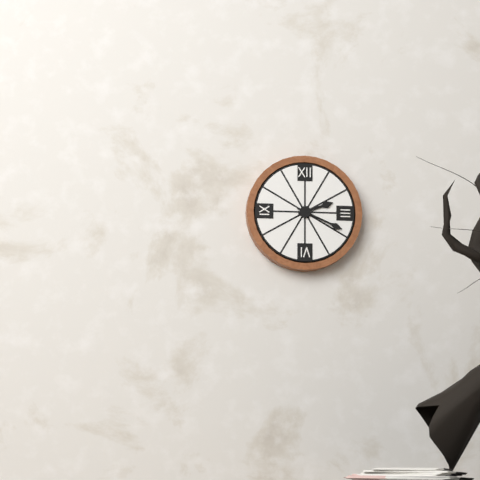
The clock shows **2:19**
